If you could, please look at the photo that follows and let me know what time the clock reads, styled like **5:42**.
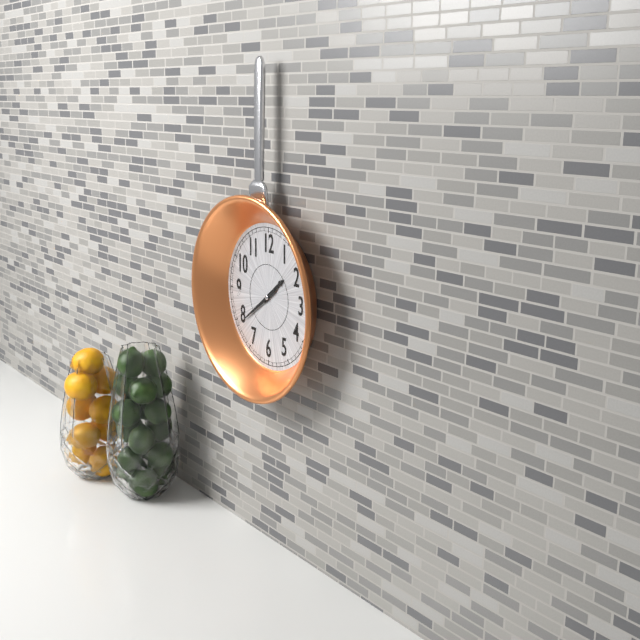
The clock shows **1:39**
